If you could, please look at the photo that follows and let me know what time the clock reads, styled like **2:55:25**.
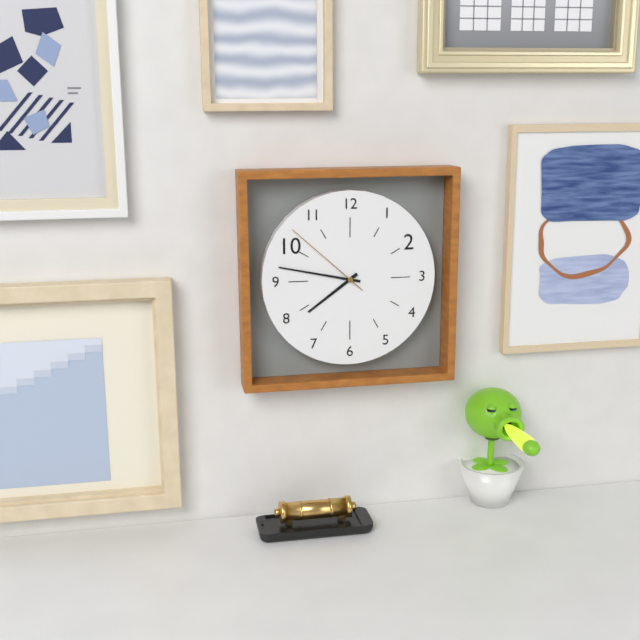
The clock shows **7:47:52**
